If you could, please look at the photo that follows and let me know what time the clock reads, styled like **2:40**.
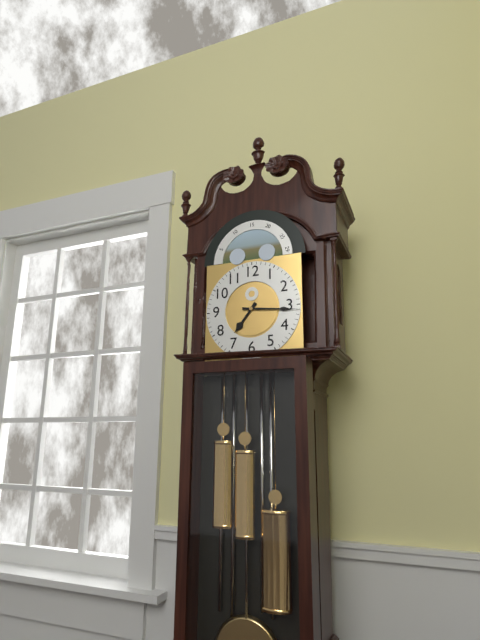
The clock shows **7:16**
